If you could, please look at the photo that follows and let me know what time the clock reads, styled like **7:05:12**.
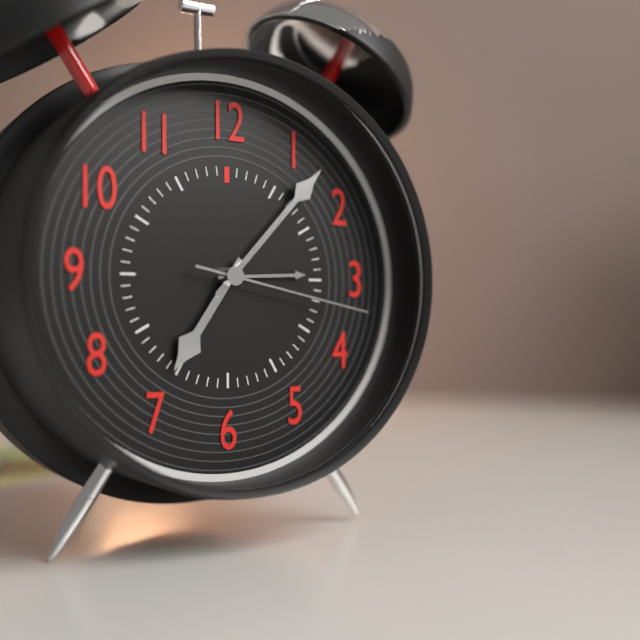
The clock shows **7:07:17**
